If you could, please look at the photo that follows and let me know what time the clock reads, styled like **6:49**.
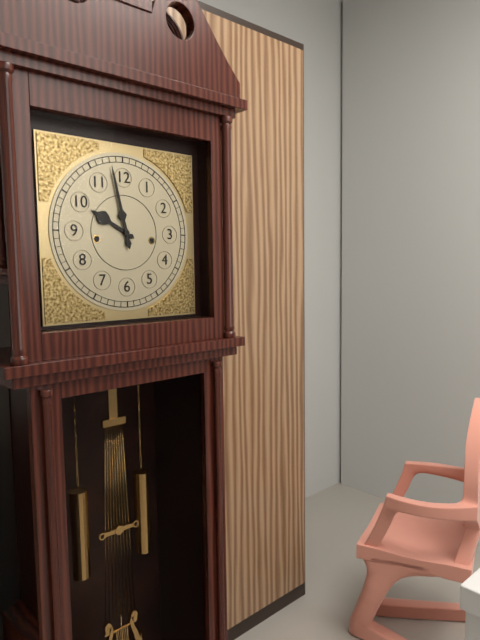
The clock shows **9:58**
